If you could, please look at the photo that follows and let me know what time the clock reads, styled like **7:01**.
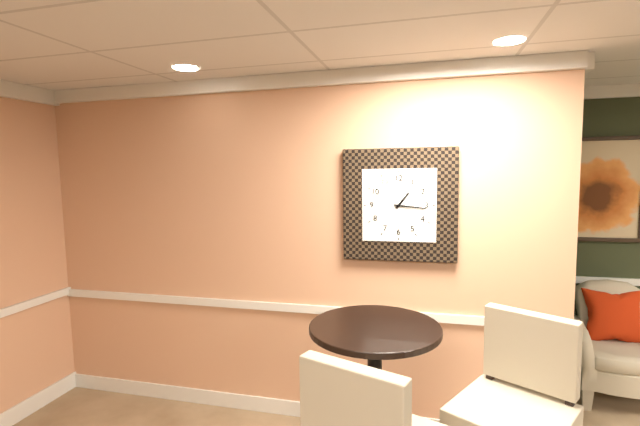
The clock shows **1:16**
